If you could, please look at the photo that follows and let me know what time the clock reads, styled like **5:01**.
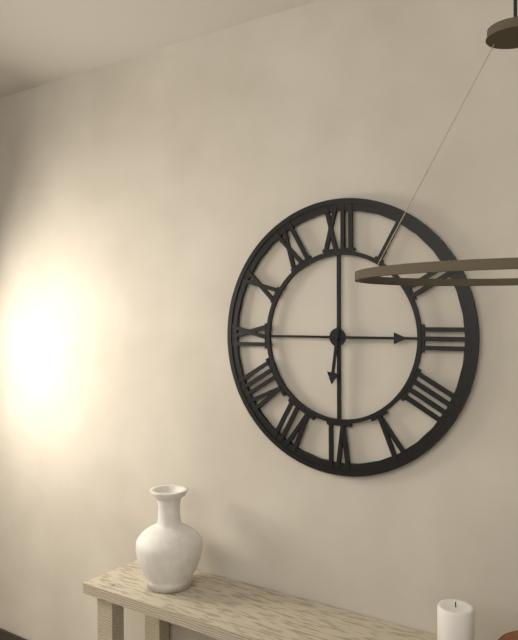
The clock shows **6:15**
